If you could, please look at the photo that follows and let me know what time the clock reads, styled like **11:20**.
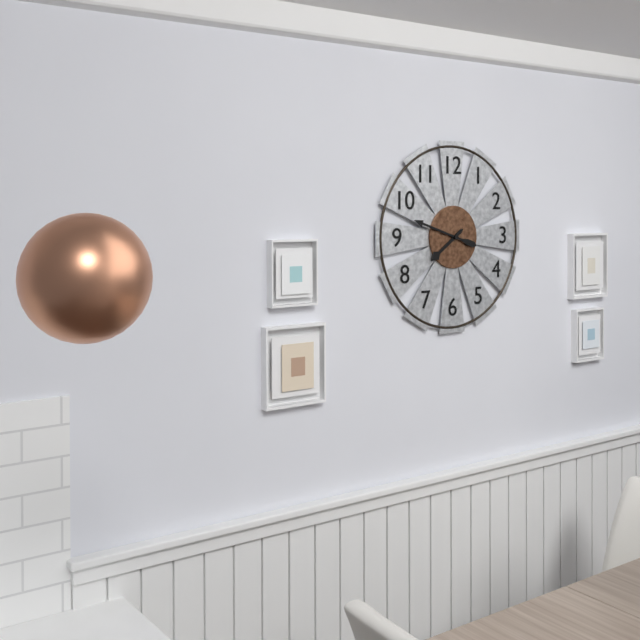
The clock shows **7:48**
